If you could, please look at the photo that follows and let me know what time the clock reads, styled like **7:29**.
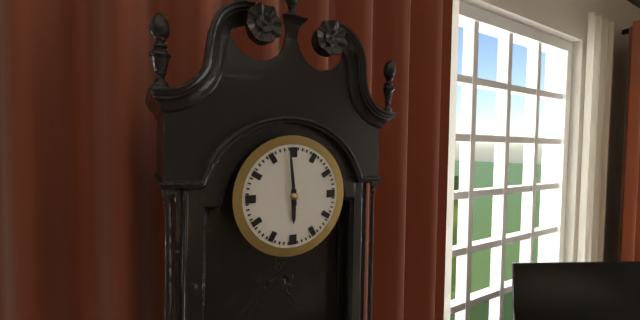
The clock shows **5:59**
